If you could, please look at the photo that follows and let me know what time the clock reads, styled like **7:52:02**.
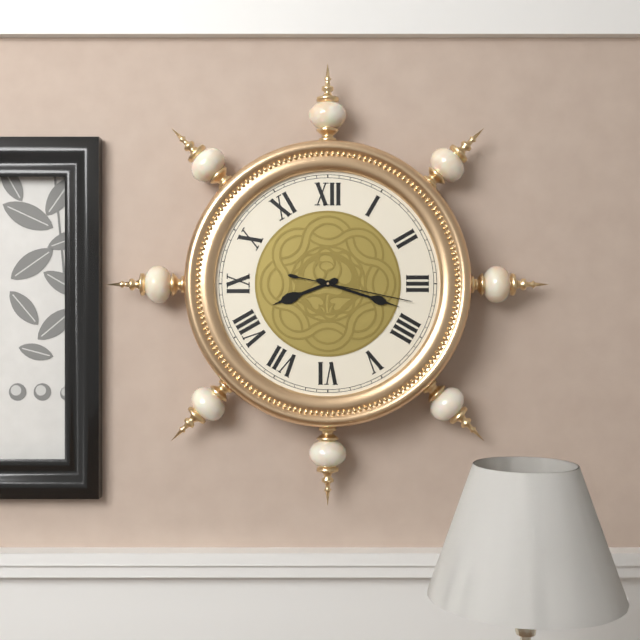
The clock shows **8:18:17**
